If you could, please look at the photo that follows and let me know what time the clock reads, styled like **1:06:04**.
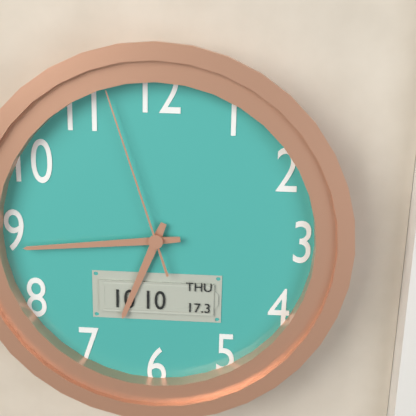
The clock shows **6:44:57**
